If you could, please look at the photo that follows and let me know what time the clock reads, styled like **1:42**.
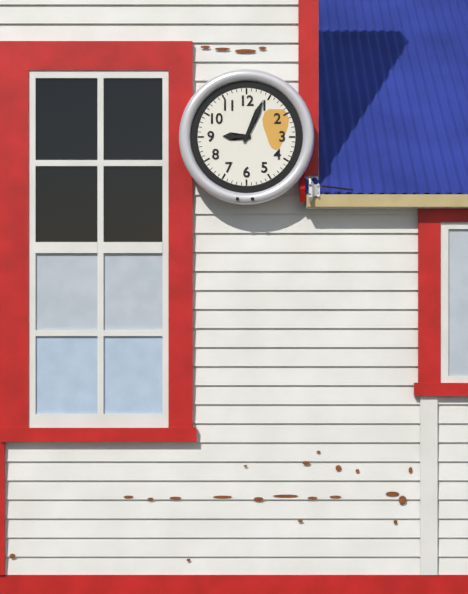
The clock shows **9:04**
